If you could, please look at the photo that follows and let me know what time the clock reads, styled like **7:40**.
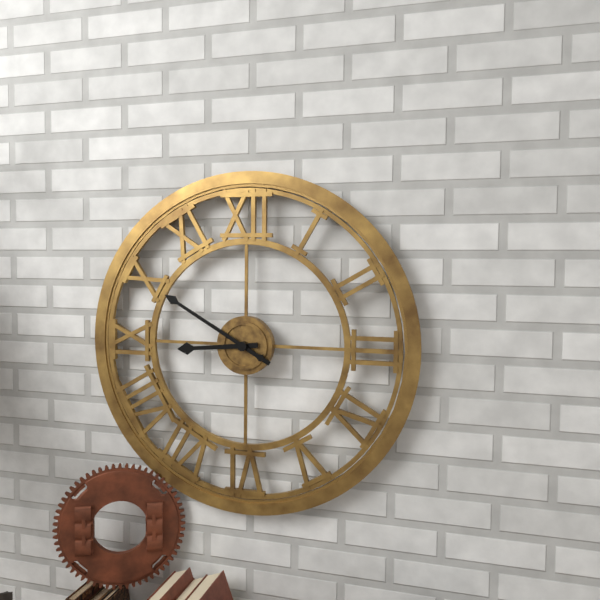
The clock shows **8:50**
